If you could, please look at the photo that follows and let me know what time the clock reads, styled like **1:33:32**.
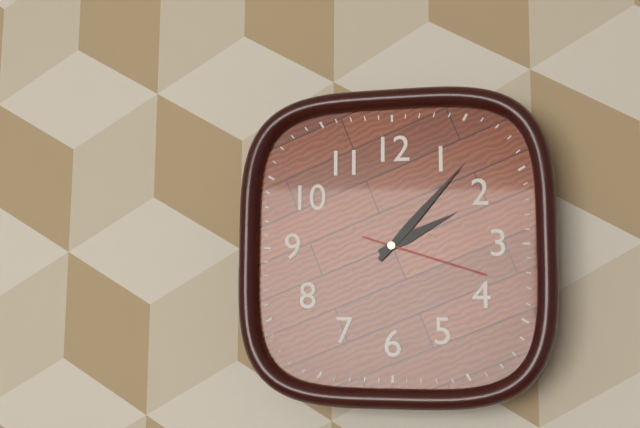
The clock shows **2:07:18**
